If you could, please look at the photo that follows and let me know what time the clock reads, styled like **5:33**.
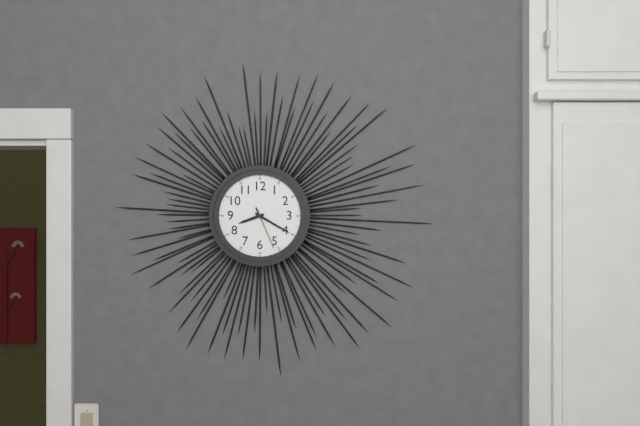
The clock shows **8:20**
